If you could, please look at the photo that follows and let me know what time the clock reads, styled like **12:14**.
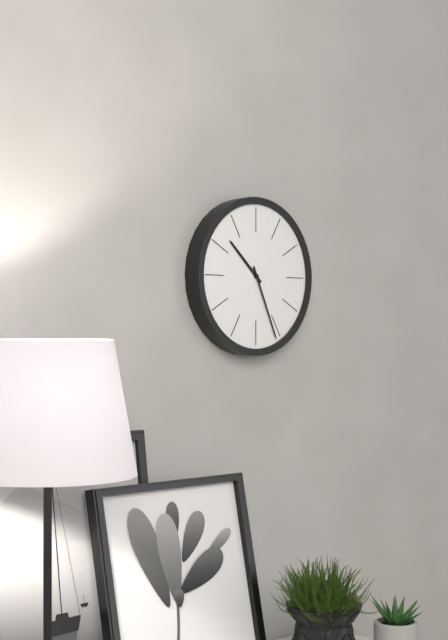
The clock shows **10:26**
